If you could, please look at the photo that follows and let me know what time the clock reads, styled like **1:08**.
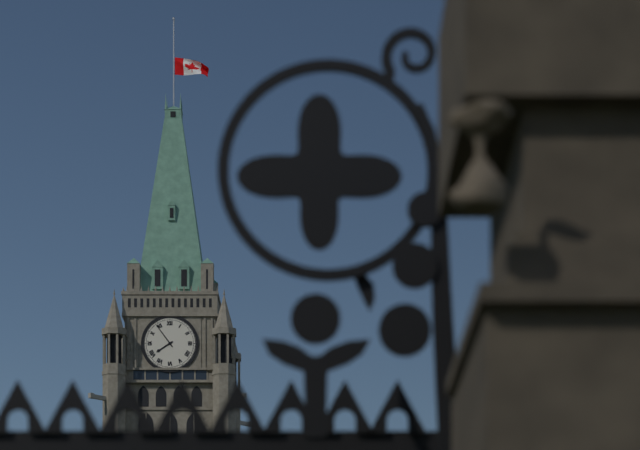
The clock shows **7:54**
